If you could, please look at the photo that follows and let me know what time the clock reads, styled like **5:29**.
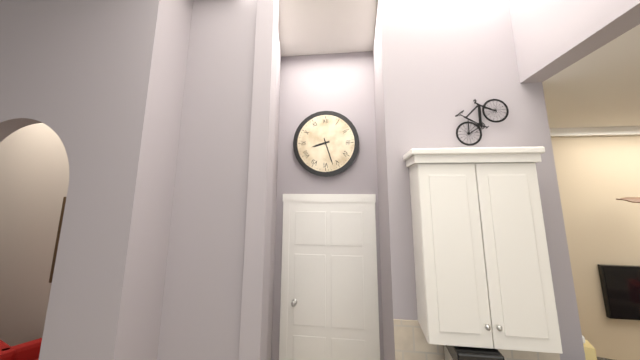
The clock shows **8:27**
